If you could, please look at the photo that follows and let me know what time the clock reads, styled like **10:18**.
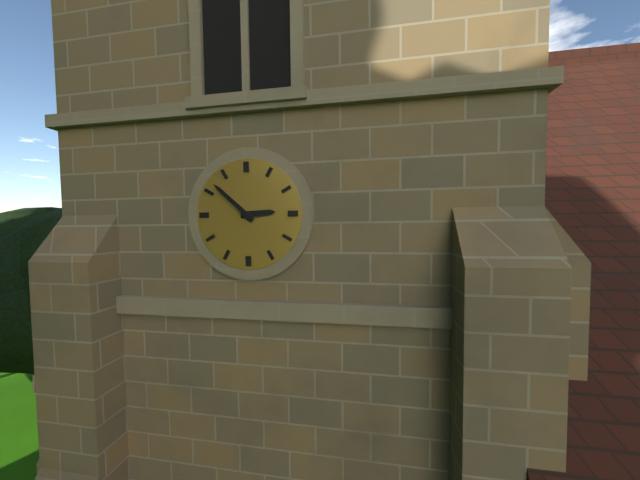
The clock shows **2:52**
